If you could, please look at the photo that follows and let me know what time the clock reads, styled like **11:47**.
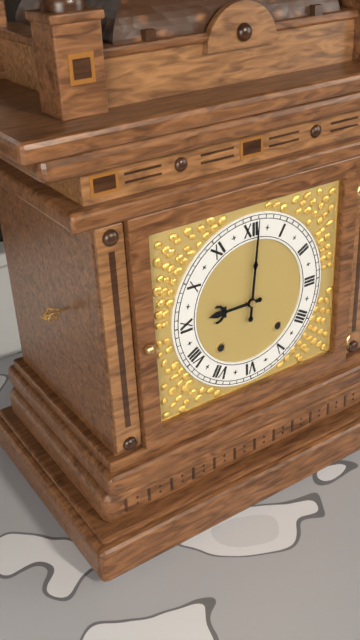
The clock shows **9:01**
